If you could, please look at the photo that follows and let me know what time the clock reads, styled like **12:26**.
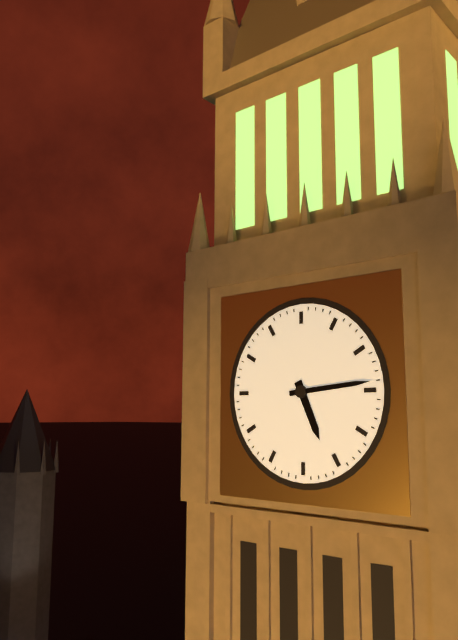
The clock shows **5:14**
